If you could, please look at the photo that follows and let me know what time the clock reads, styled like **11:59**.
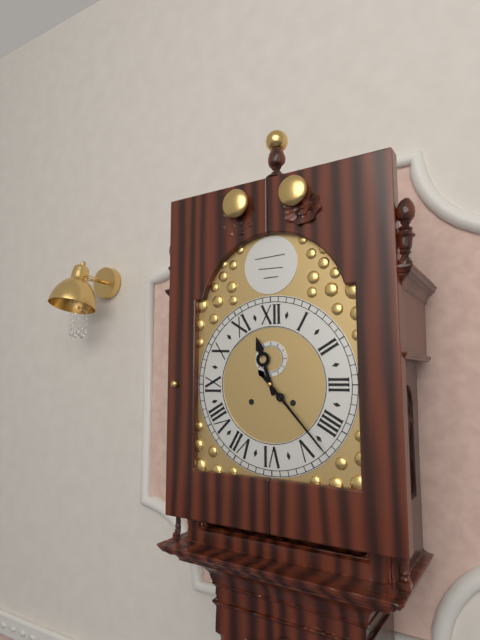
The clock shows **11:23**
